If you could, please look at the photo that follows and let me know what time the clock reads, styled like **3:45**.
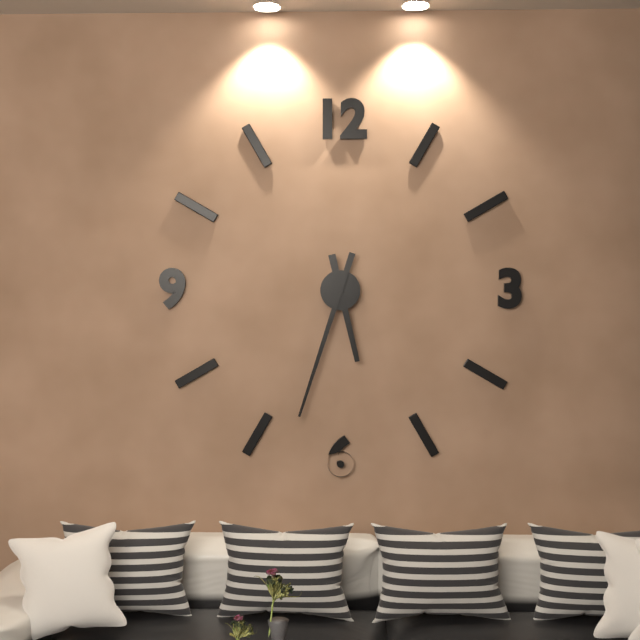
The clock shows **5:33**
